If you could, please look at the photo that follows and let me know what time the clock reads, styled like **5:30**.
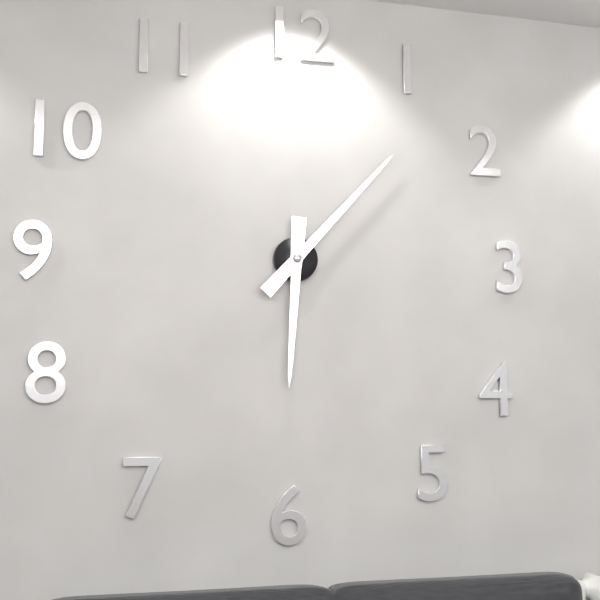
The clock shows **6:07**
